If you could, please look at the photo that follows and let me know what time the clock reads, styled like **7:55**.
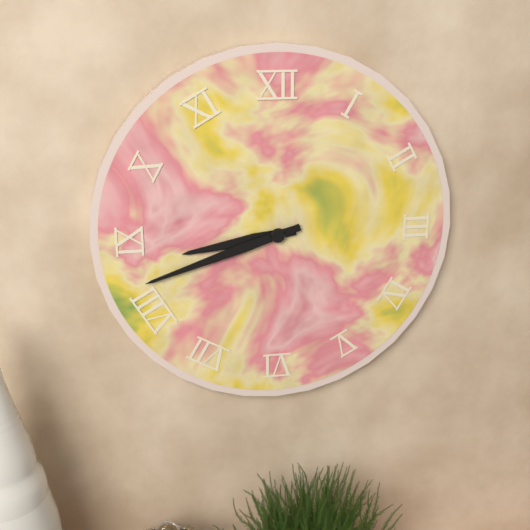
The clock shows **8:42**
